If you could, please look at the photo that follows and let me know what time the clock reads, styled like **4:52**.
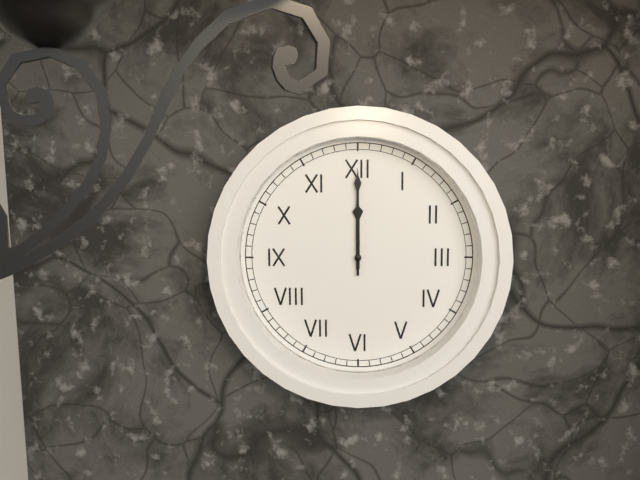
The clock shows **12:00**
